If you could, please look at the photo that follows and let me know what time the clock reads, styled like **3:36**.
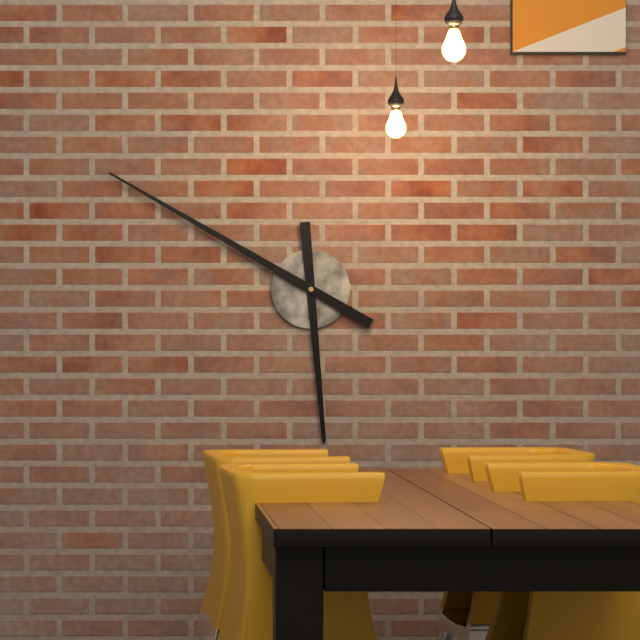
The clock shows **5:50**
